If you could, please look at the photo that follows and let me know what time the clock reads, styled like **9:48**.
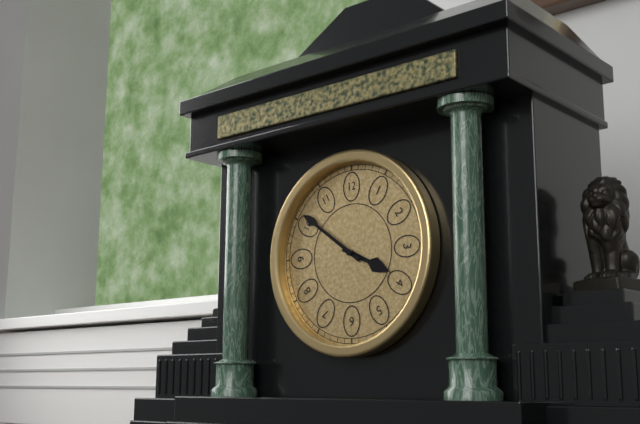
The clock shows **3:51**
